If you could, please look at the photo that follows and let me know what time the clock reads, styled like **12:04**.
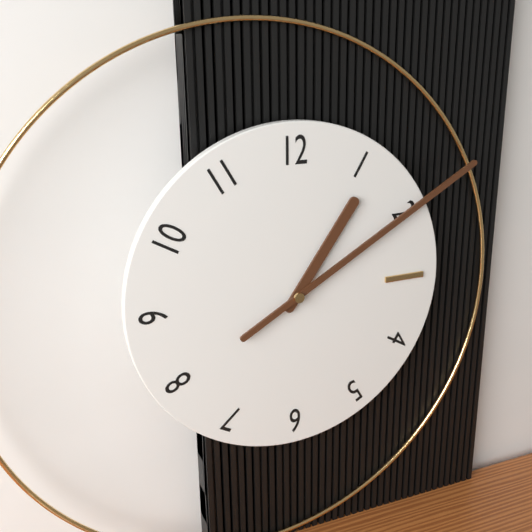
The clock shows **1:10**
